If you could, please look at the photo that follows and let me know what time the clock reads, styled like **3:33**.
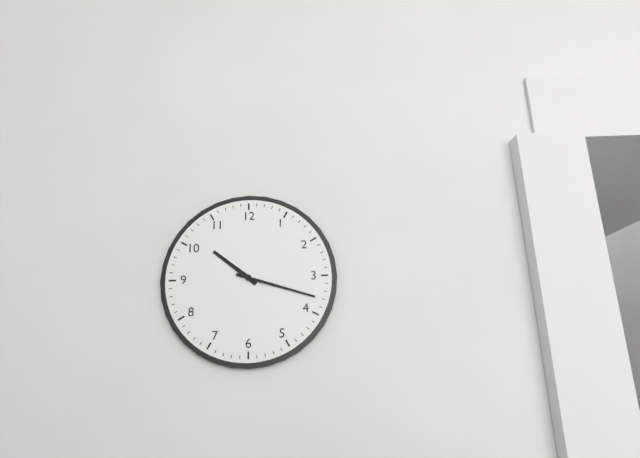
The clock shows **10:18**
